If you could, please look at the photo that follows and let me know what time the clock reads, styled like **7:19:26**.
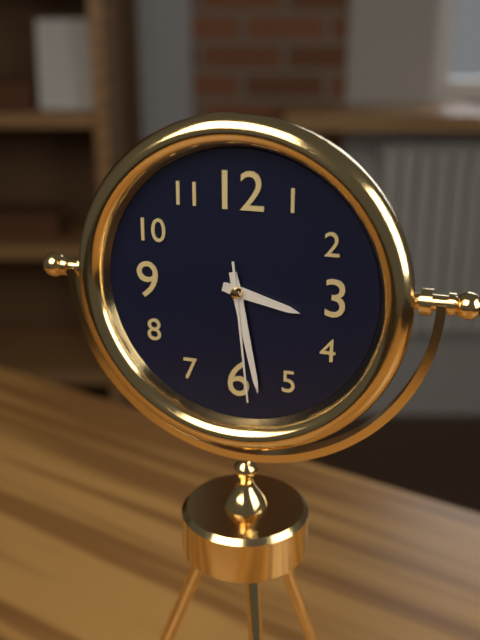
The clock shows **3:28:29**
